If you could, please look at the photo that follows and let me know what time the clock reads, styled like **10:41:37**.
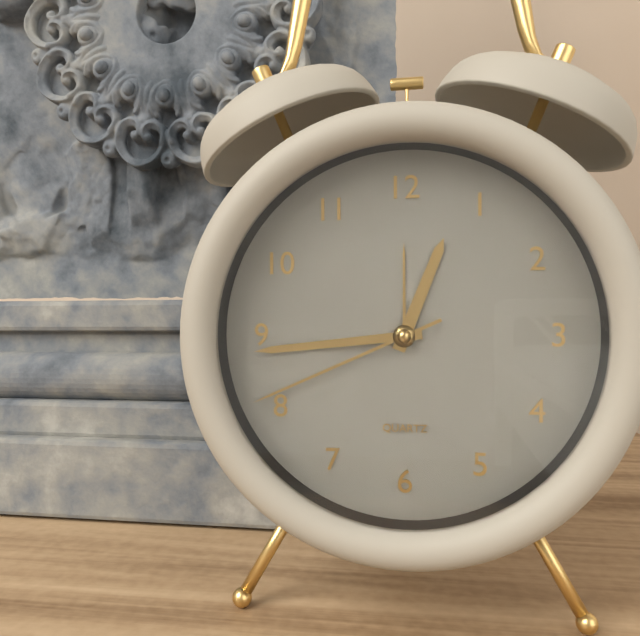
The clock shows **12:44:41**
